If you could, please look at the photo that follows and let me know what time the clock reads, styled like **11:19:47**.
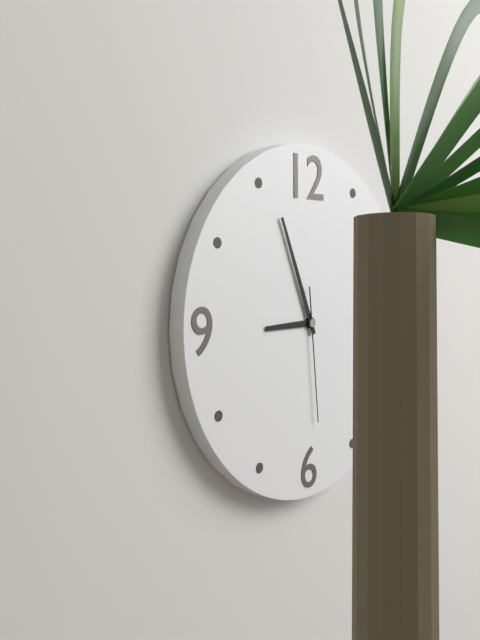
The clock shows **8:56:29**
